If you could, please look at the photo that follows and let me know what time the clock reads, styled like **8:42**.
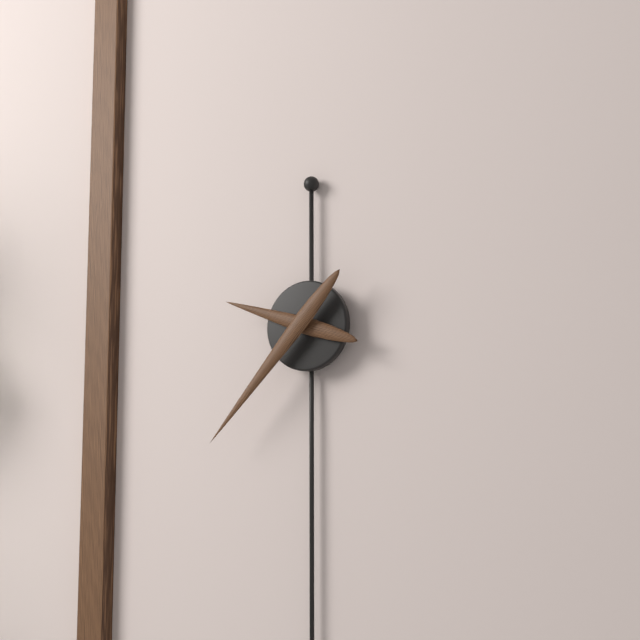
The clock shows **9:37**
